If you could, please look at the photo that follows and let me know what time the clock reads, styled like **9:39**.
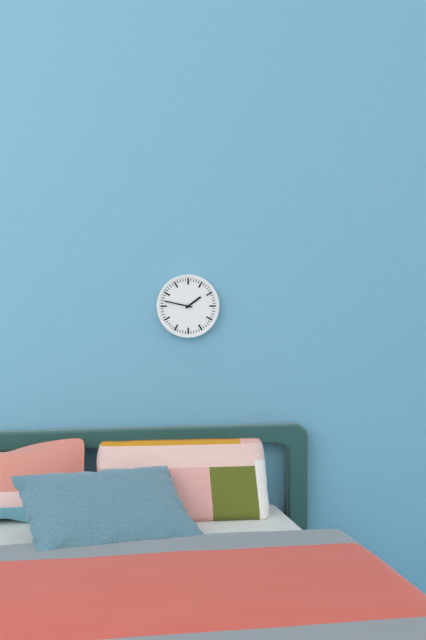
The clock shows **1:47**
